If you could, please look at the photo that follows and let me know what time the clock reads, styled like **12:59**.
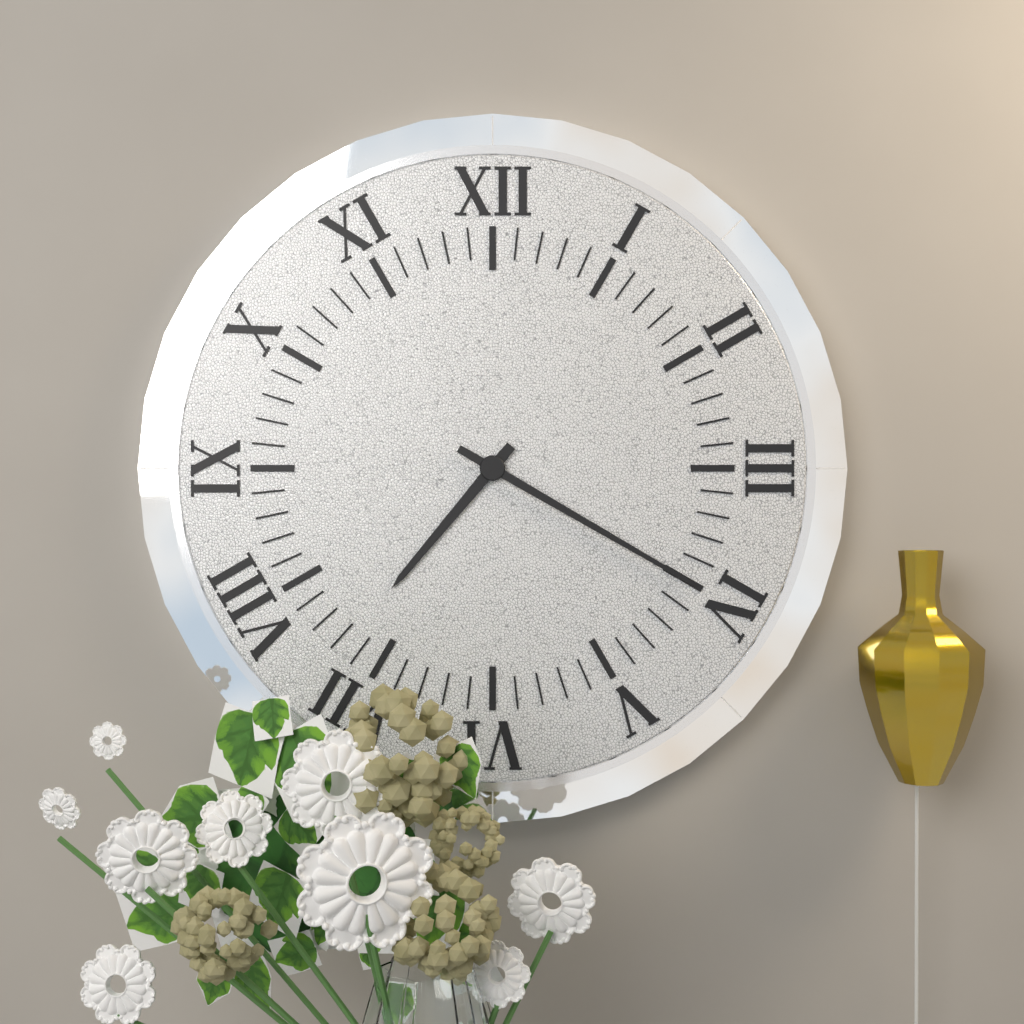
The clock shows **7:20**
